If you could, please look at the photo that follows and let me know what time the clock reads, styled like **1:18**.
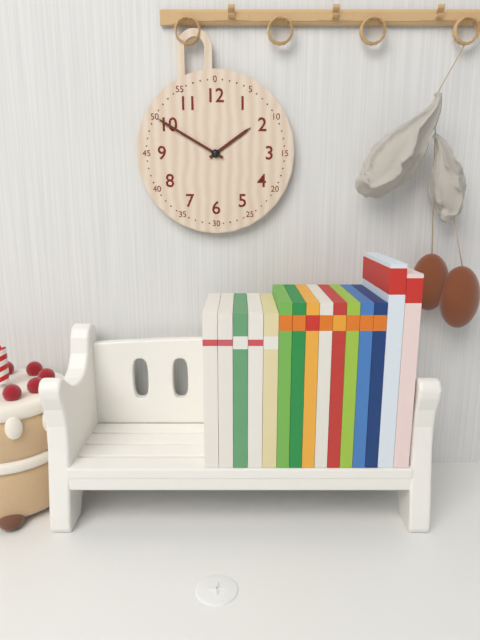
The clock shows **1:50**
